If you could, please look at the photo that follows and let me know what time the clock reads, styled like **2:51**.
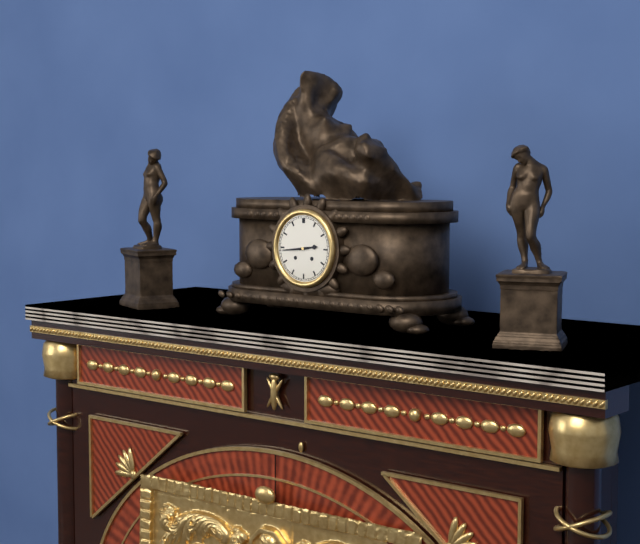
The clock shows **2:44**
